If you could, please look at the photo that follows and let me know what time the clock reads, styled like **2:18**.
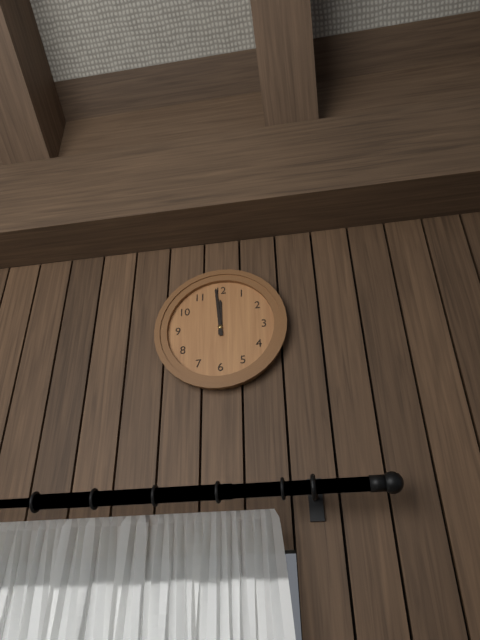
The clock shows **11:59**
